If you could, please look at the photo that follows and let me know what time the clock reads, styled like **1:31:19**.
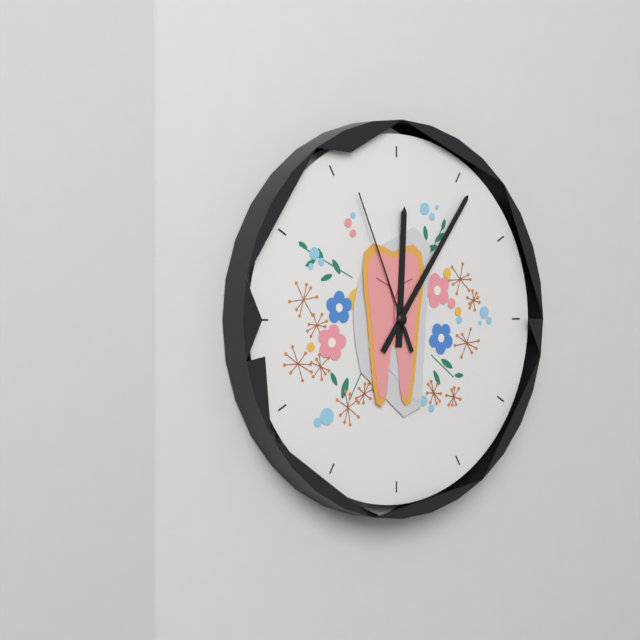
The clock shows **12:06:56**
